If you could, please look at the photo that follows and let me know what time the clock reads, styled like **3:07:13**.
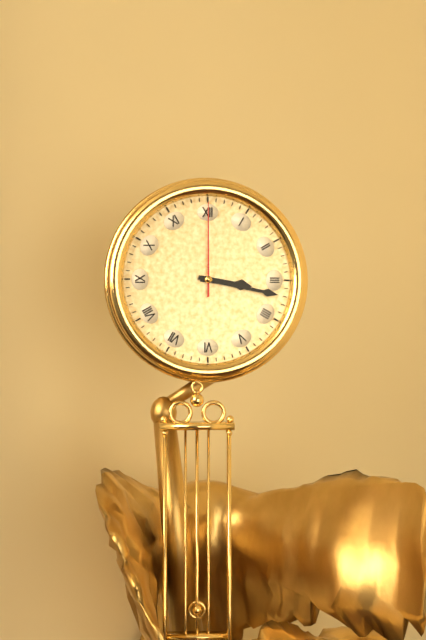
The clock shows **3:17:00**
